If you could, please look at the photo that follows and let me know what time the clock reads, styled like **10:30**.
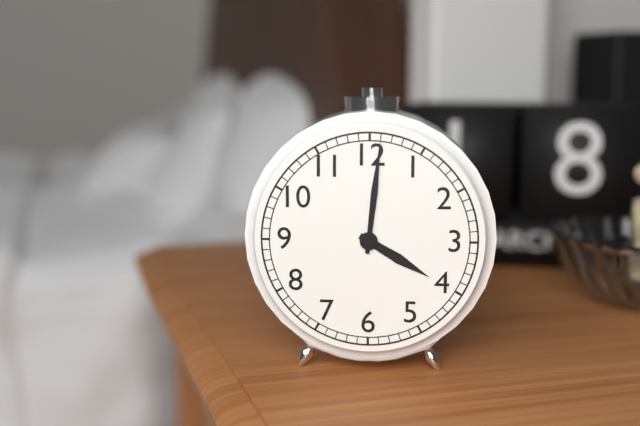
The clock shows **4:01**
